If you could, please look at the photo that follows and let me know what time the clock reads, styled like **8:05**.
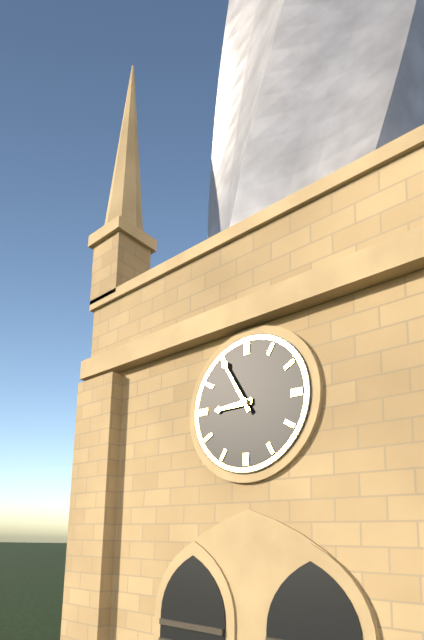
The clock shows **8:55**
